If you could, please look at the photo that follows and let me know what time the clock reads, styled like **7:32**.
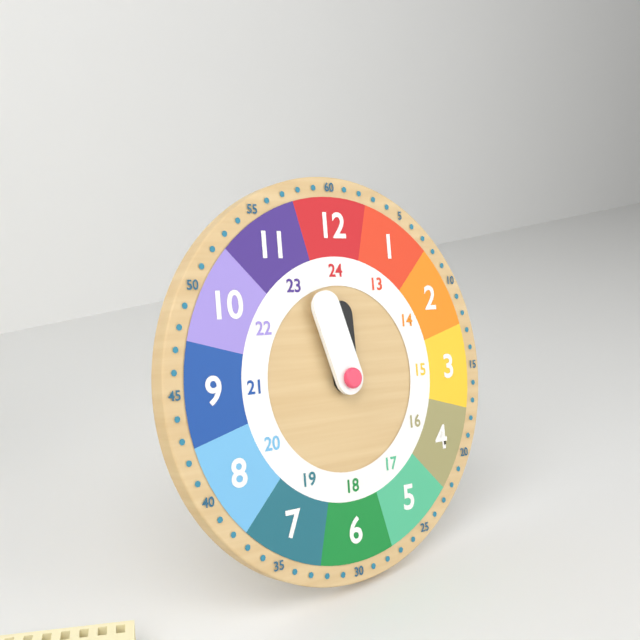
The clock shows **11:57**
